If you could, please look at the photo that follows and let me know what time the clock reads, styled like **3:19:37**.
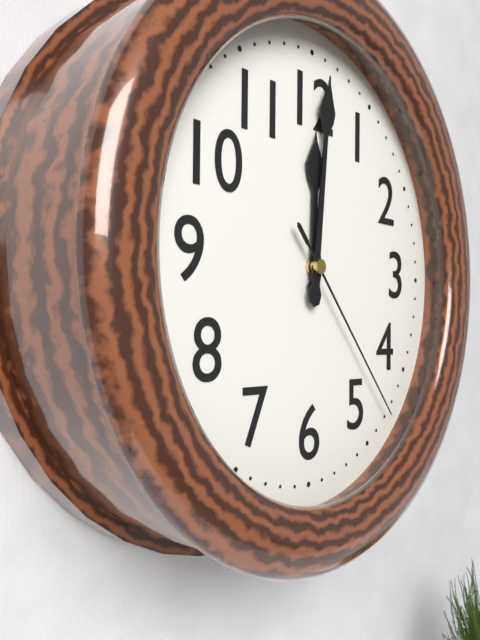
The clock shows **12:01:23**
